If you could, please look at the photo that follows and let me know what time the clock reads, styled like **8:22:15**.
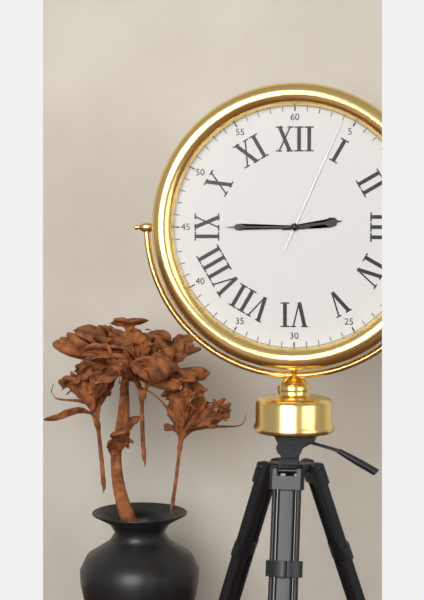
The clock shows **2:45:04**
